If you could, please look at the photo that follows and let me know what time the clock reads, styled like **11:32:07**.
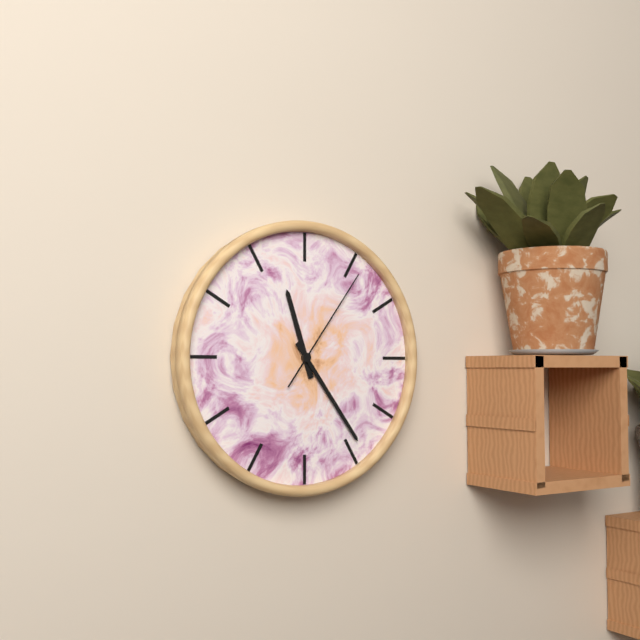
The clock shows **11:24:06**
